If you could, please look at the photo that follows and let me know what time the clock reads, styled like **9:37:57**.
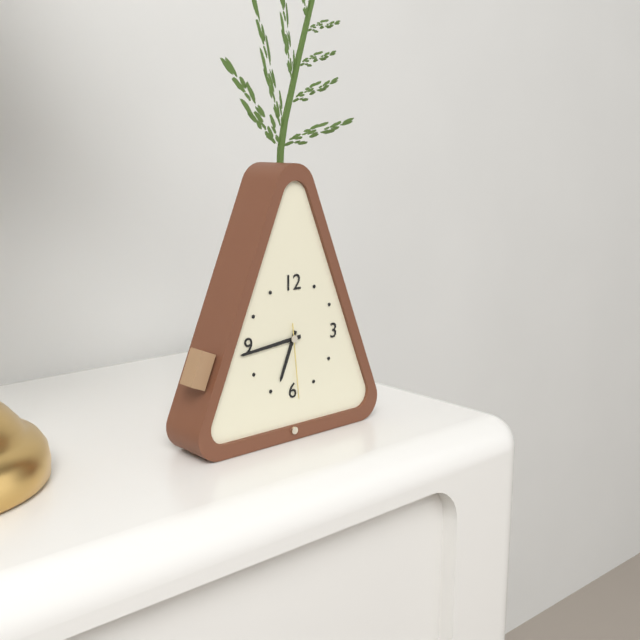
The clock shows **6:44:29**
